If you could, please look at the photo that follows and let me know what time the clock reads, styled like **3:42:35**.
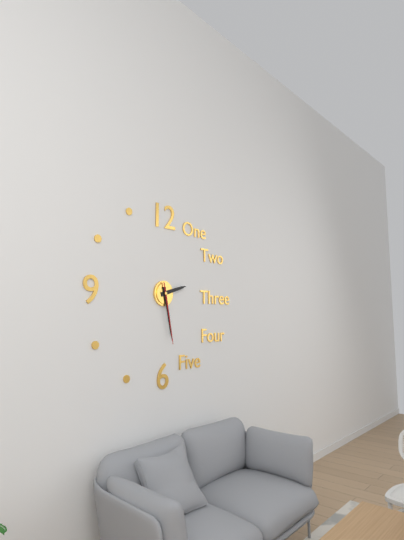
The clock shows **2:28:28**
